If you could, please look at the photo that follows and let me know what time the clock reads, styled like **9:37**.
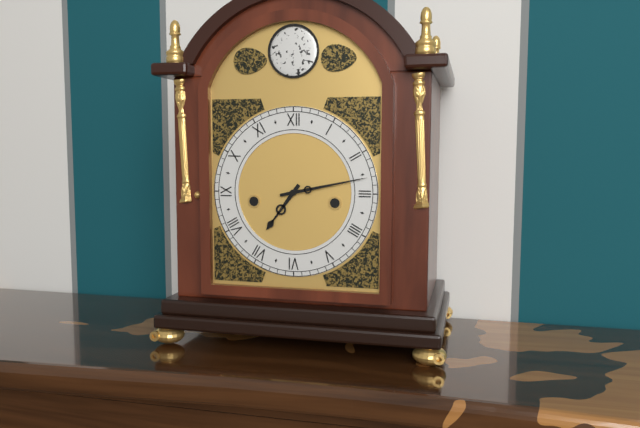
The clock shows **7:13**
